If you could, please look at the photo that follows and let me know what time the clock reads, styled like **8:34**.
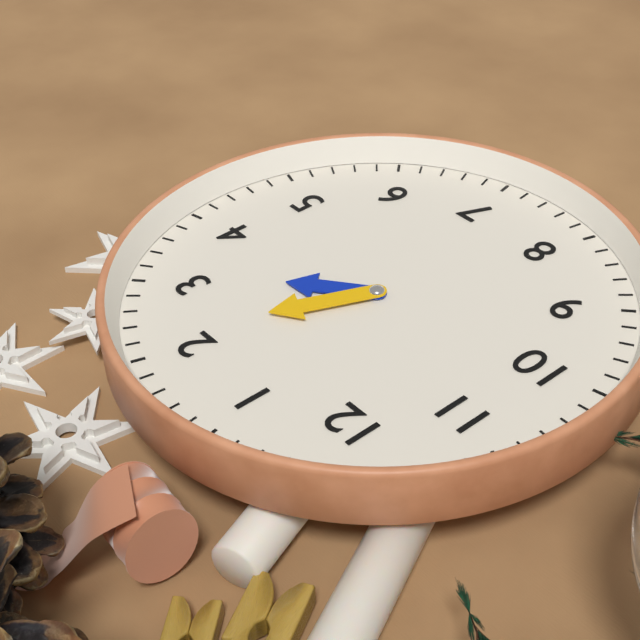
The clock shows **3:11**
